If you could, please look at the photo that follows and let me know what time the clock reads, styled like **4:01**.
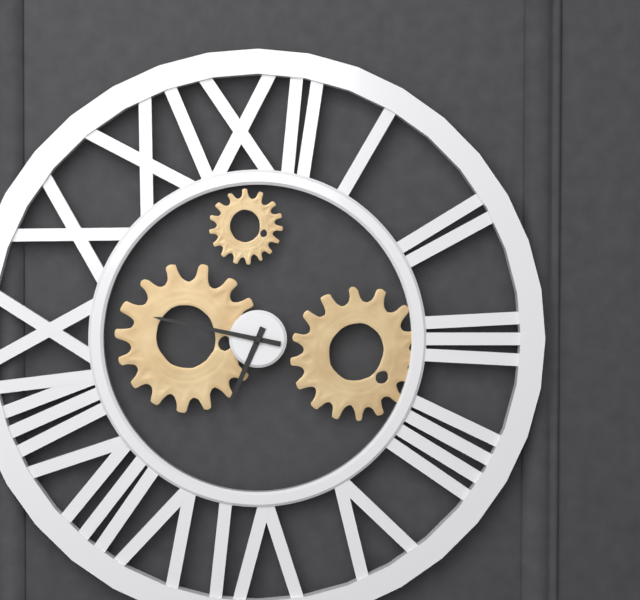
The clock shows **6:47**
